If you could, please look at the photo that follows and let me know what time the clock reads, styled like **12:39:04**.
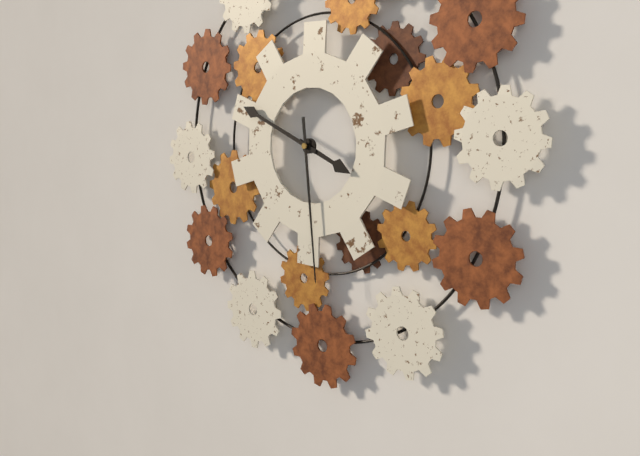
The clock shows **3:49:29**
